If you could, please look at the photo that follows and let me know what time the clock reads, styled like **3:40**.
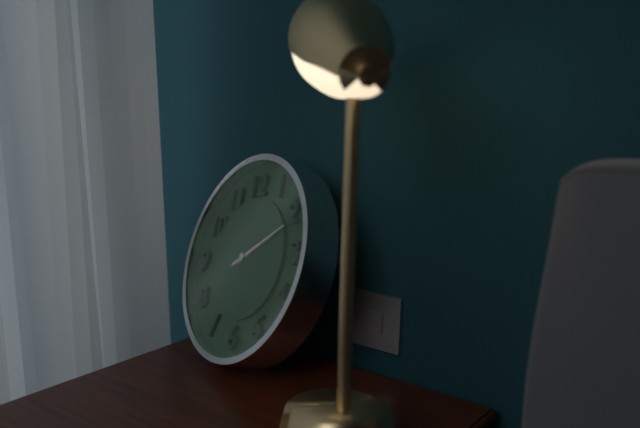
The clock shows **2:11**
